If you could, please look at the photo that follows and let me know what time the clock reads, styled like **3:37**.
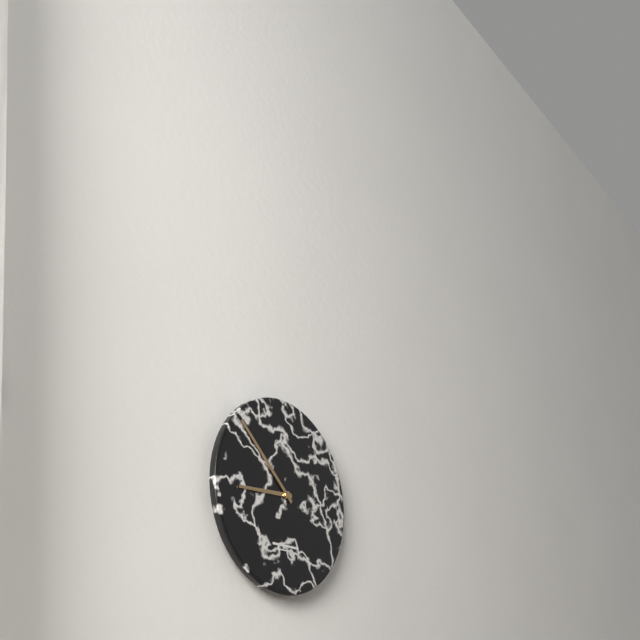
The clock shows **8:52**
